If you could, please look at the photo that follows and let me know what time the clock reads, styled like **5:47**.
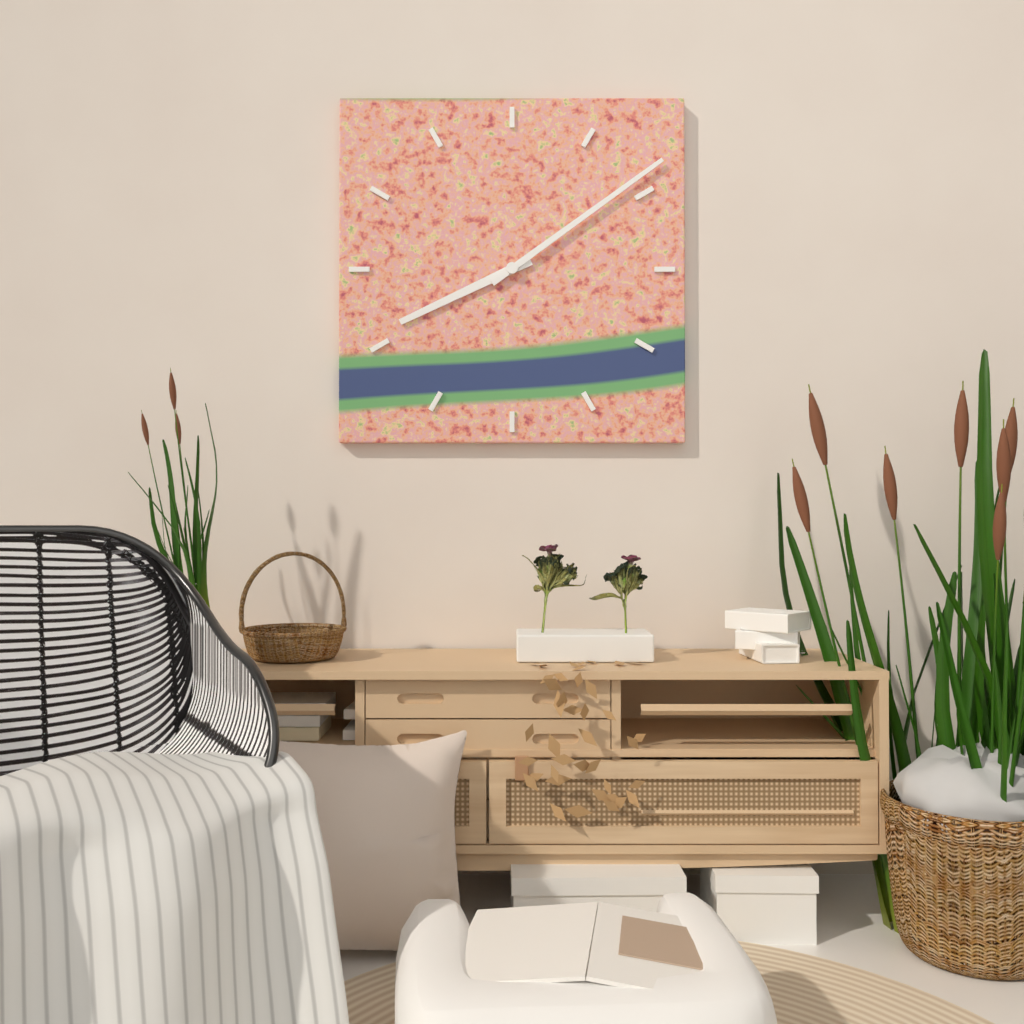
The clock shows **8:09**
